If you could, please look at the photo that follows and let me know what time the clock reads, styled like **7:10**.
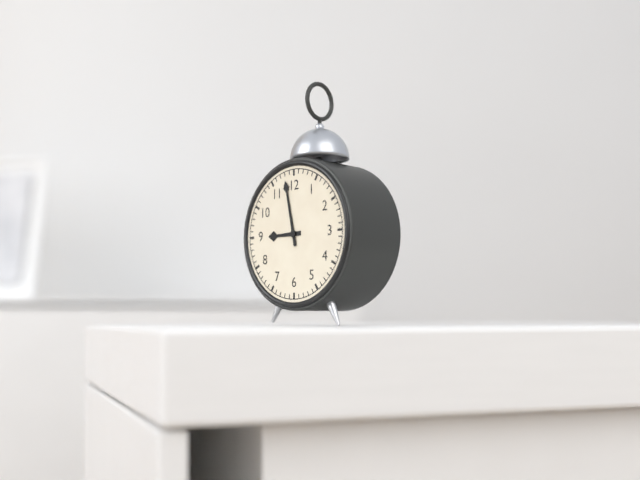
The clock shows **8:58**
